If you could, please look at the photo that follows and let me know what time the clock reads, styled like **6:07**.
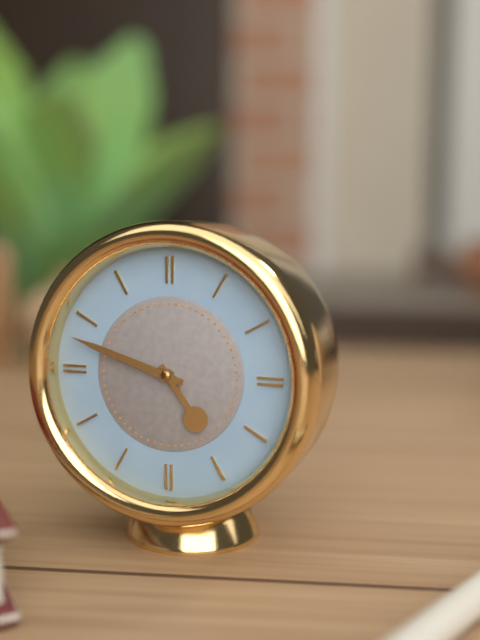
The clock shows **4:48**
